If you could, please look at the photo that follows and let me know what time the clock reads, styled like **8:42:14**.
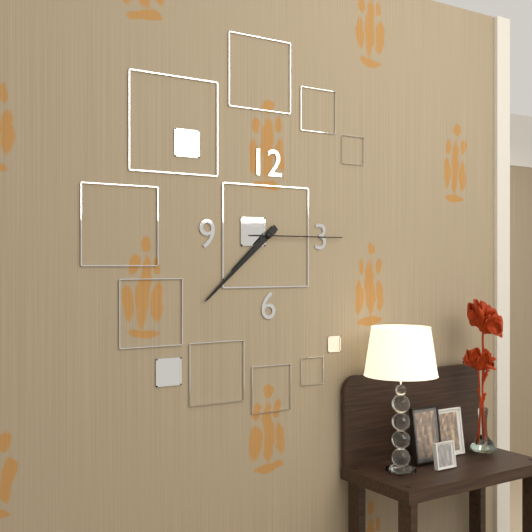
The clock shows **7:38:15**
